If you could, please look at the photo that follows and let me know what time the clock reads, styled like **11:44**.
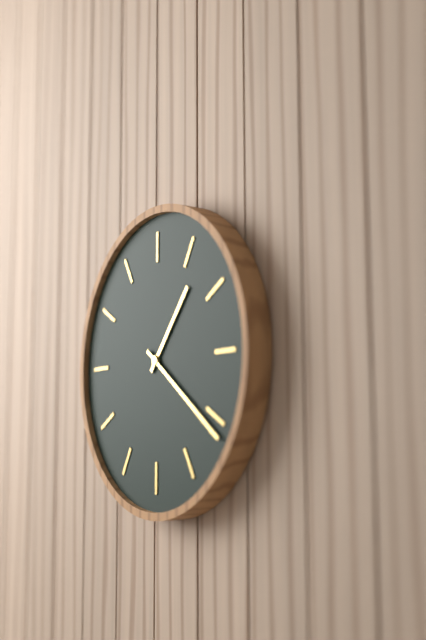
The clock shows **1:21**
